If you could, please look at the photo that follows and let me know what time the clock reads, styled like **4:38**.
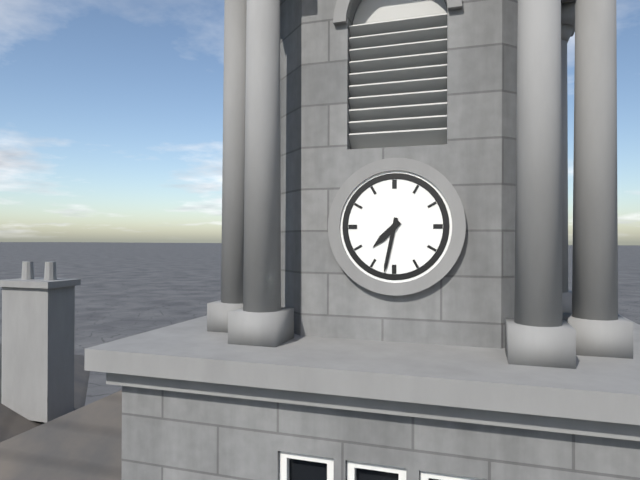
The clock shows **7:32**
